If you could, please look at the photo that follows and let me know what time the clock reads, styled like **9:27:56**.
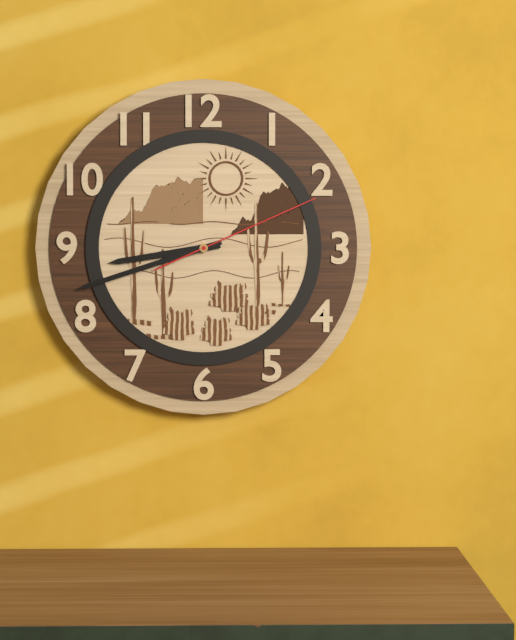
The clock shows **8:42:11**
